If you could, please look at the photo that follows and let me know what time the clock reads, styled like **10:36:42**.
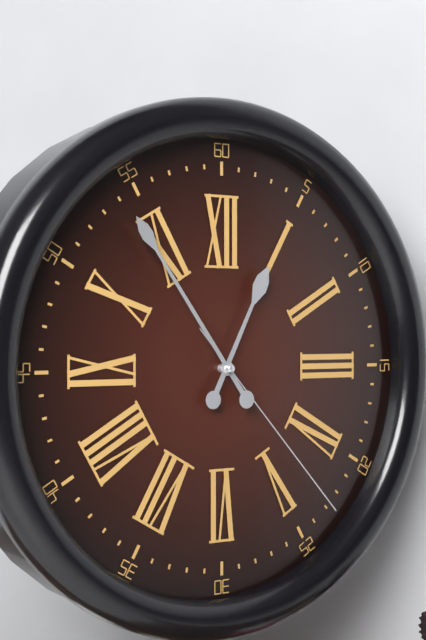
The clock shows **12:54:23**
